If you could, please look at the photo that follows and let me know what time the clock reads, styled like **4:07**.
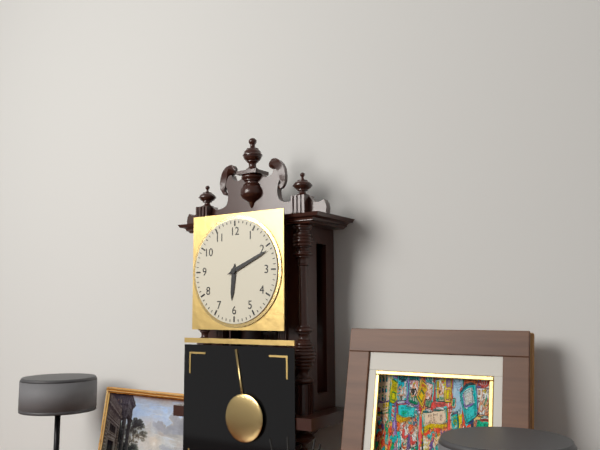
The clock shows **6:11**
